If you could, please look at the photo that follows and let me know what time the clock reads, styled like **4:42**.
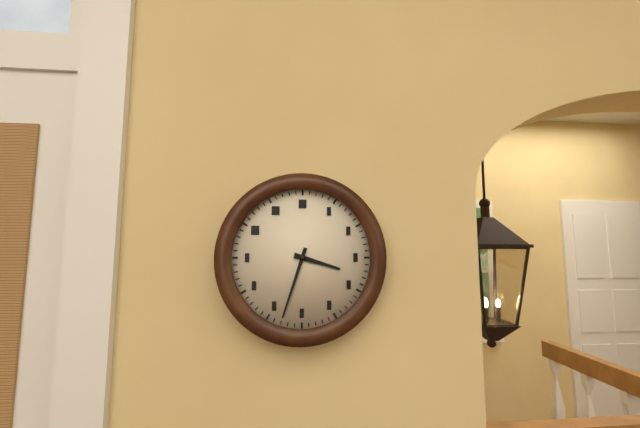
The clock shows **3:33**
